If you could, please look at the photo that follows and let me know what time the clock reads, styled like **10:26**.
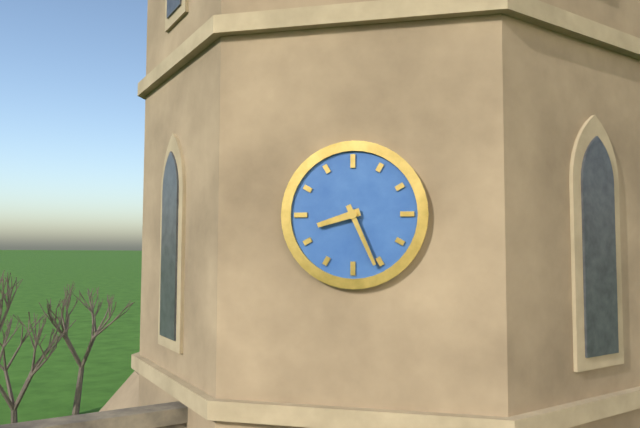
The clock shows **8:26**
